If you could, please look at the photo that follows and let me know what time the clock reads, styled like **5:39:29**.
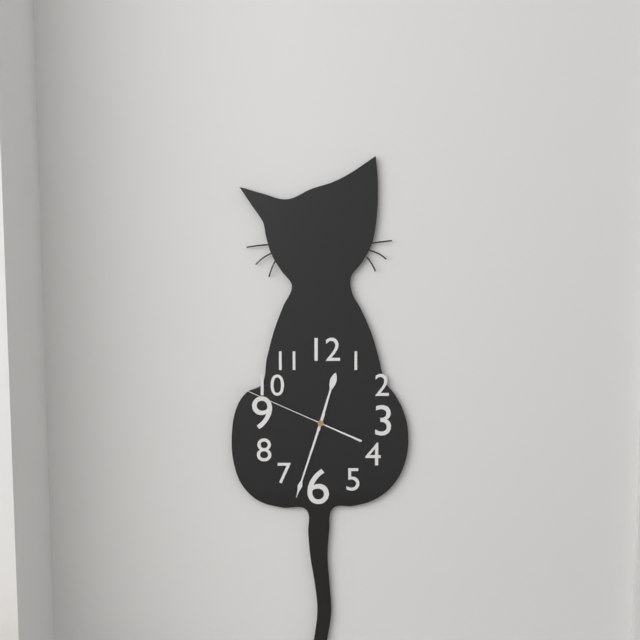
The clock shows **12:33:49**
